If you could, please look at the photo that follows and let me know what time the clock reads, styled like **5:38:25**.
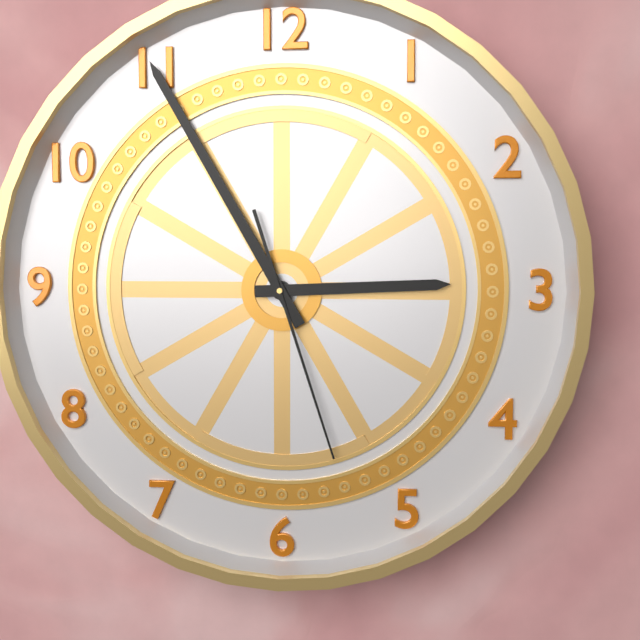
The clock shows **2:55:27**
